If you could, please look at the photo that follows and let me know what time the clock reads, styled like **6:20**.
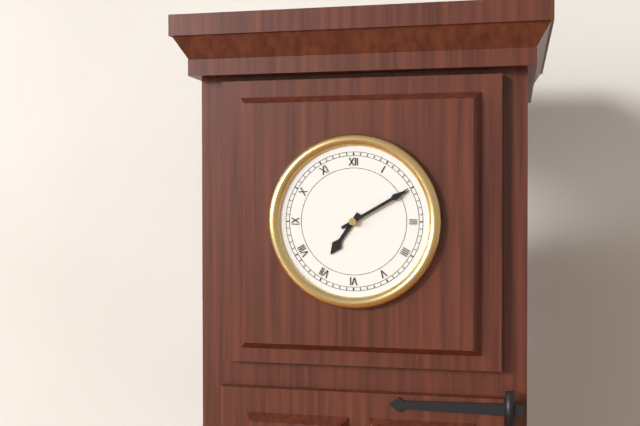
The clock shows **7:10**
